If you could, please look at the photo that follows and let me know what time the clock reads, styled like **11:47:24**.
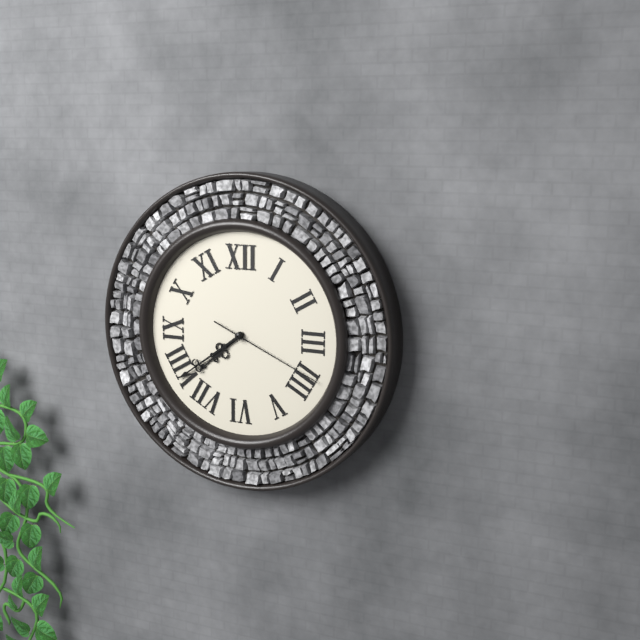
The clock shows **7:39:19**
